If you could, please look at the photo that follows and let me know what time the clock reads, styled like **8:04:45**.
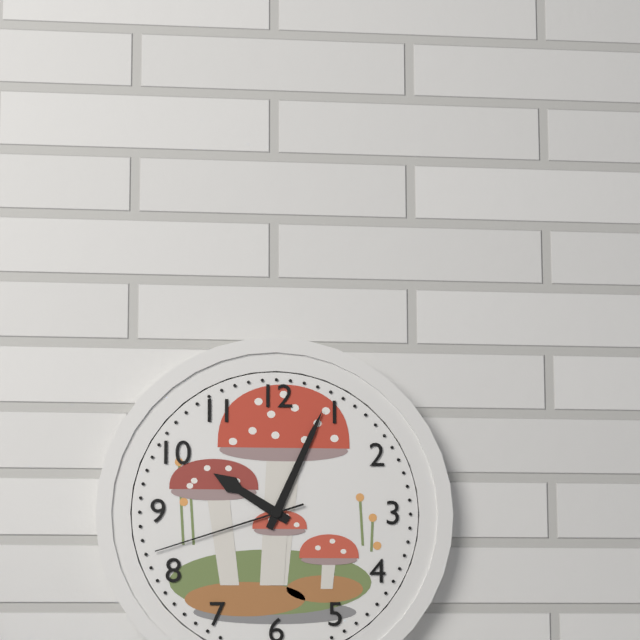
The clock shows **10:04:42**
